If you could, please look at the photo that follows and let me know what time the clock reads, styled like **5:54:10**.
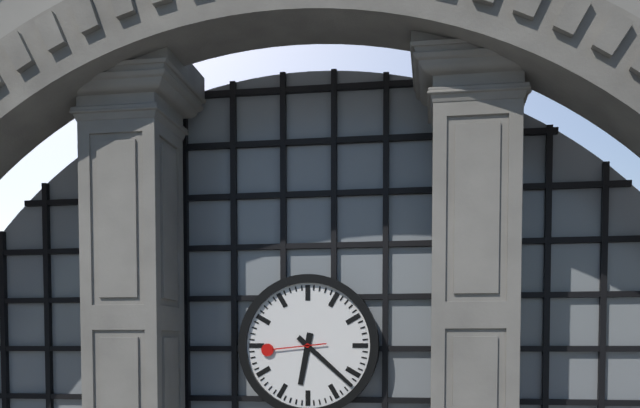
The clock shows **6:22:44**
